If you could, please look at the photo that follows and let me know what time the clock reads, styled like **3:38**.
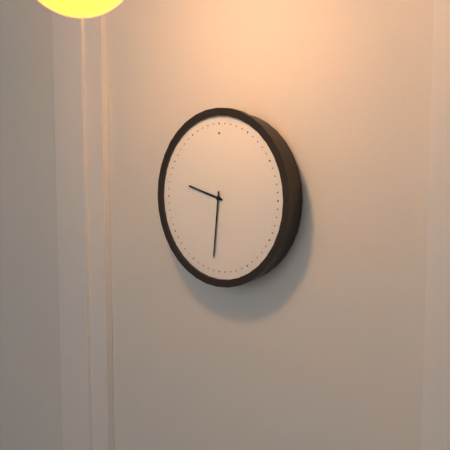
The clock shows **9:31**
